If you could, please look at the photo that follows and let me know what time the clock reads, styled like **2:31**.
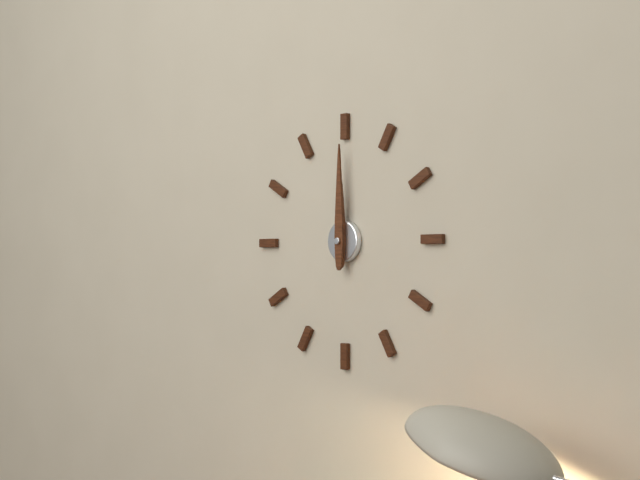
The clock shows **12:00**
